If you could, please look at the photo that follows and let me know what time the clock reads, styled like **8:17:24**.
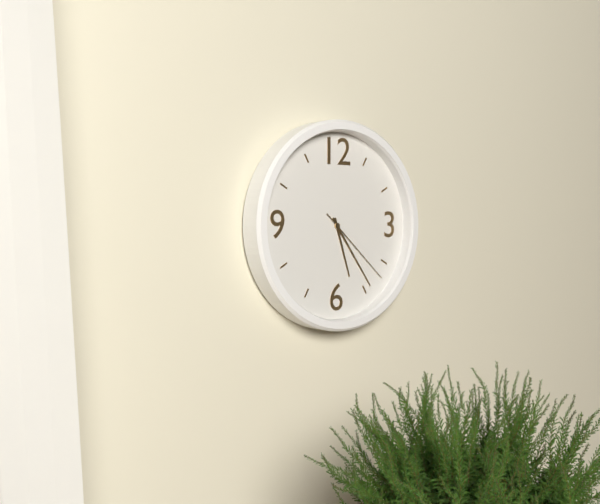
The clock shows **5:24:22**
